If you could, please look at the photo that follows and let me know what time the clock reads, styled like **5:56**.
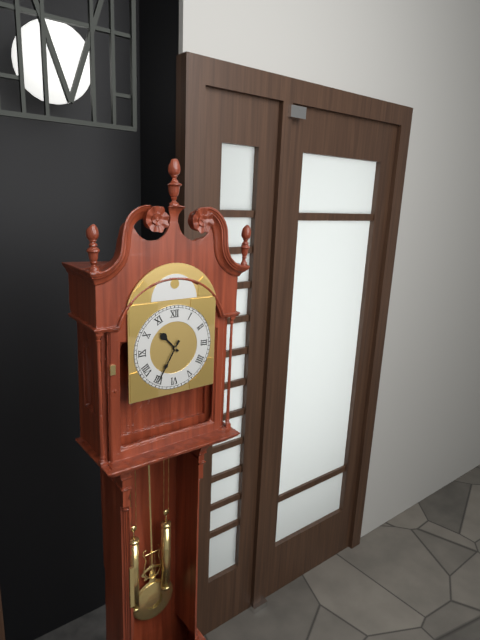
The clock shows **10:35**
